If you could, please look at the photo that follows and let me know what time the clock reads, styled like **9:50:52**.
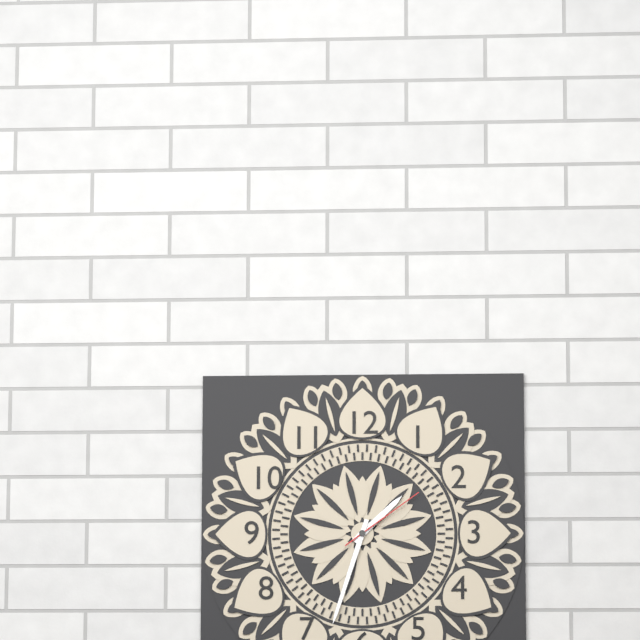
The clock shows **1:33:09**
